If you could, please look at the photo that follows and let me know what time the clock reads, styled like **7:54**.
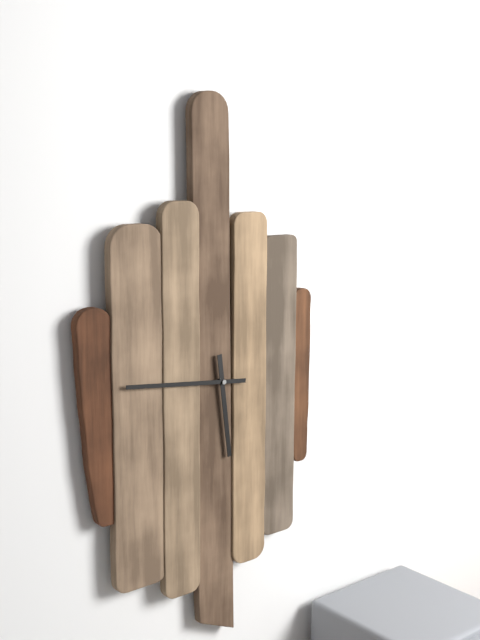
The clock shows **5:46**
